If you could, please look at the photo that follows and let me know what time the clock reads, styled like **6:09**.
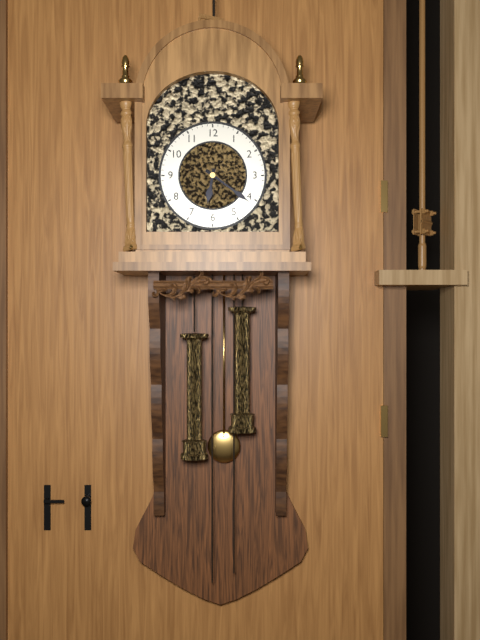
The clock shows **6:21**
